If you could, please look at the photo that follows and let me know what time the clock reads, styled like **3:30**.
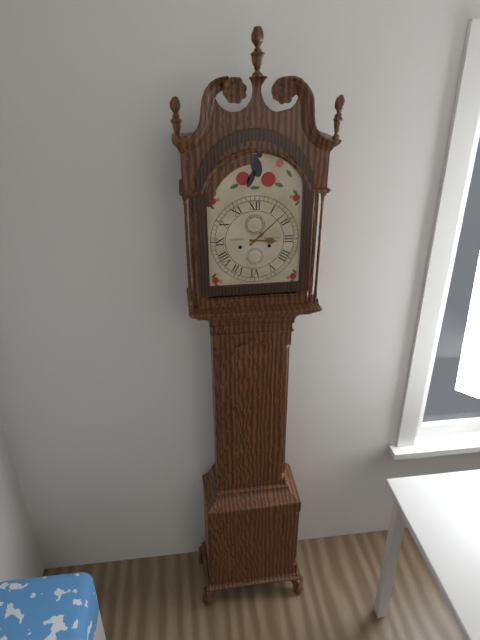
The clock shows **3:08**
